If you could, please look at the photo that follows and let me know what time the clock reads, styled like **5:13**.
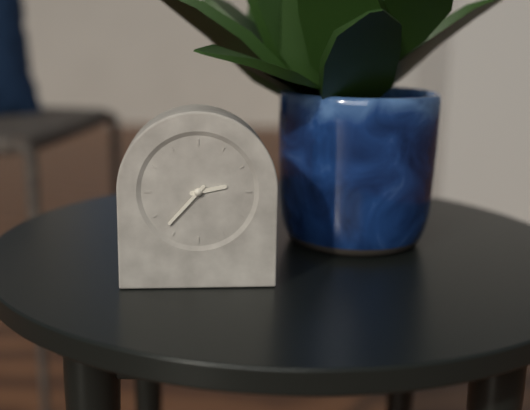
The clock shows **2:37**
